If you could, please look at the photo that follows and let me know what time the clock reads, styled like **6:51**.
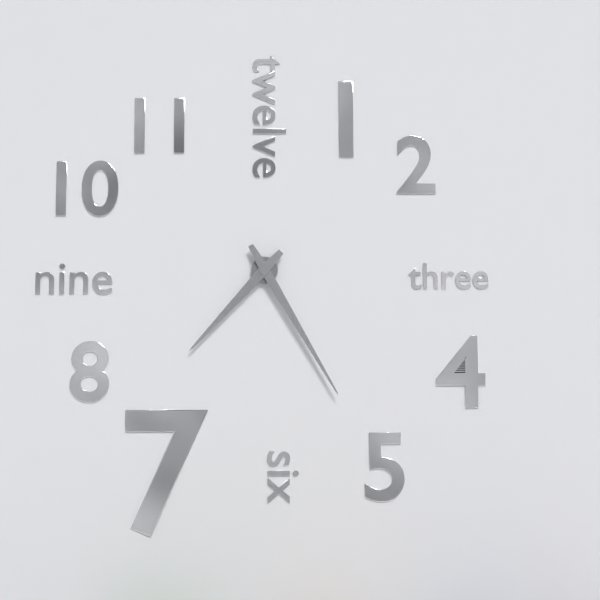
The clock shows **7:25**
